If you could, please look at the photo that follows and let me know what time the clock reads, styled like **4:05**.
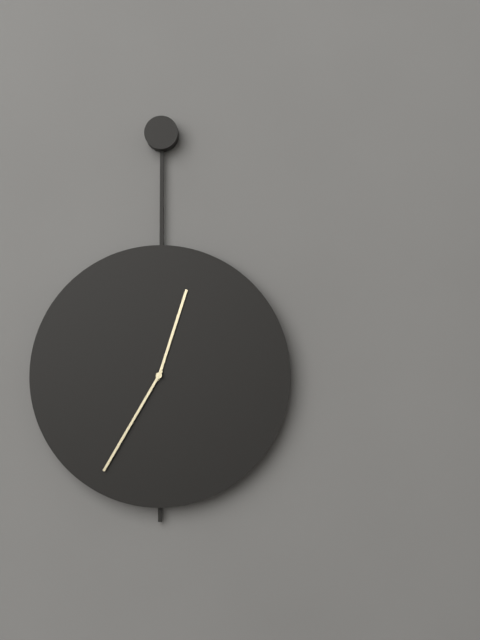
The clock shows **12:35**
